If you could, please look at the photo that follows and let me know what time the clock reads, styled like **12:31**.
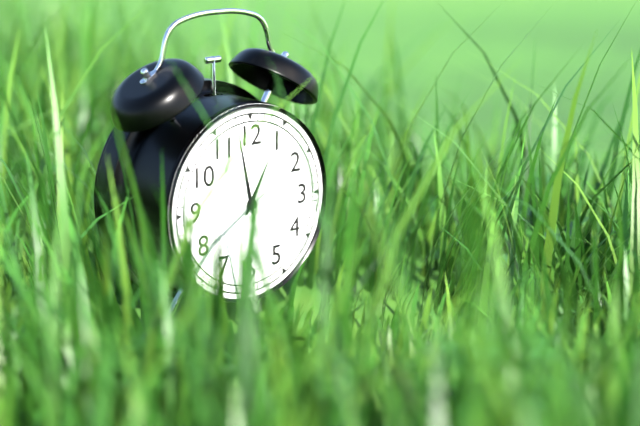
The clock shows **12:58**
